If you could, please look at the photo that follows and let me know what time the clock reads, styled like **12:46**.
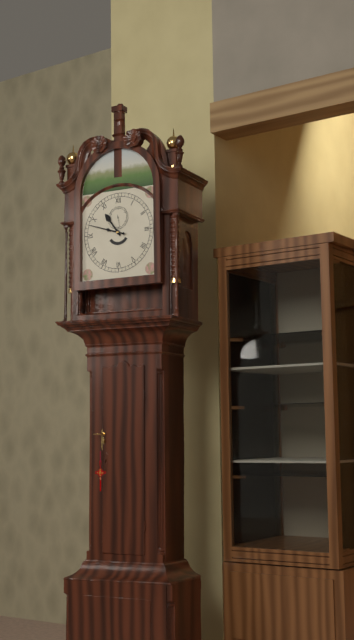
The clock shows **10:48**
